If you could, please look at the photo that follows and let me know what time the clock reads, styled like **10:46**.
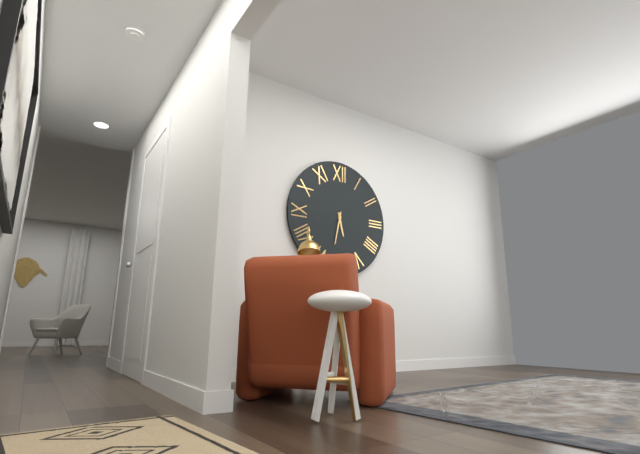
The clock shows **5:32**
